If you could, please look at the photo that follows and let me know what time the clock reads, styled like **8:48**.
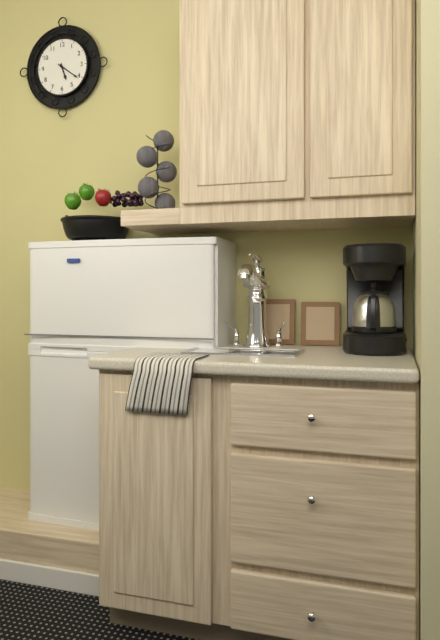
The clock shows **5:21**
